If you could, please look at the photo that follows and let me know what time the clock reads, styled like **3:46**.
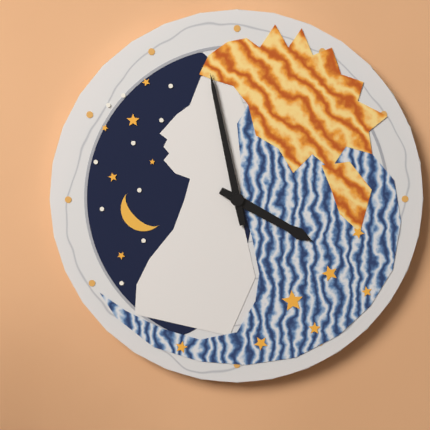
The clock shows **3:58**
